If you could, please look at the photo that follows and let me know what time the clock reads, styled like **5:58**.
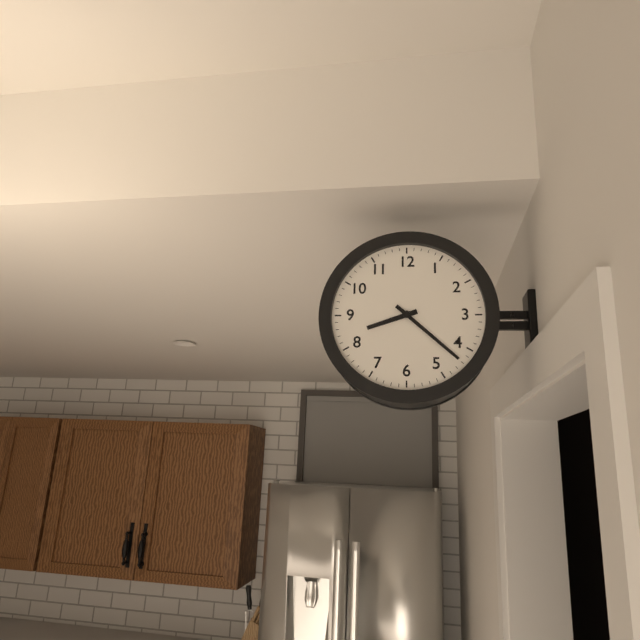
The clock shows **8:22**
